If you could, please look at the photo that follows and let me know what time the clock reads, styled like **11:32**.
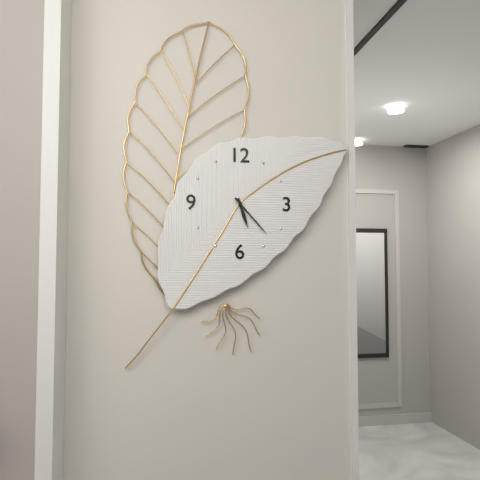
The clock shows **5:23**
